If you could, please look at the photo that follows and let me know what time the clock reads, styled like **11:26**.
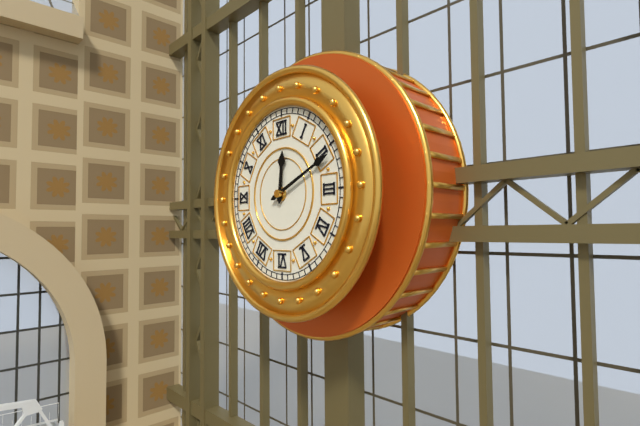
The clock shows **12:11**
